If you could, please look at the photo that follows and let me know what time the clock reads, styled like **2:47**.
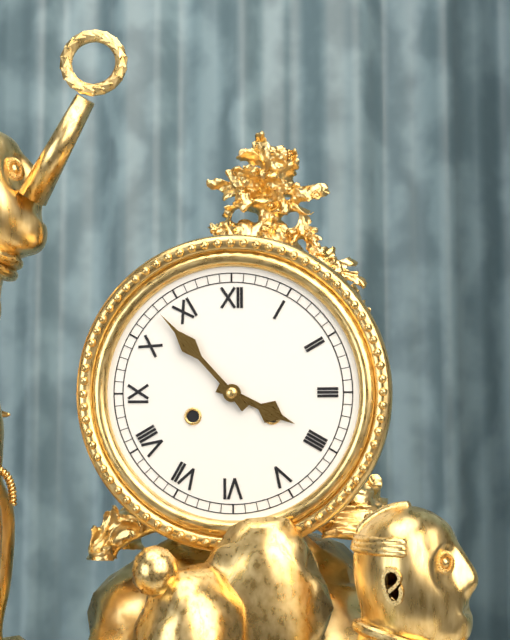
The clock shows **3:53**
